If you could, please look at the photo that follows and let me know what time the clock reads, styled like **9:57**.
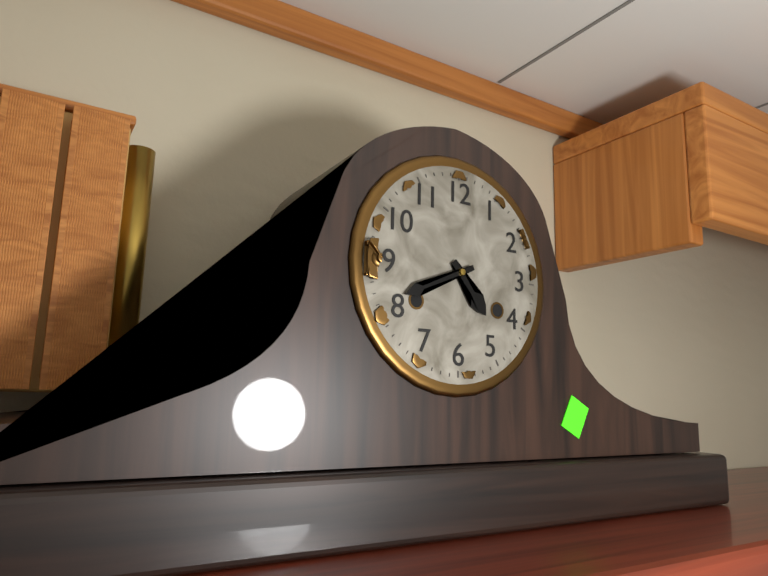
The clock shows **4:41**
